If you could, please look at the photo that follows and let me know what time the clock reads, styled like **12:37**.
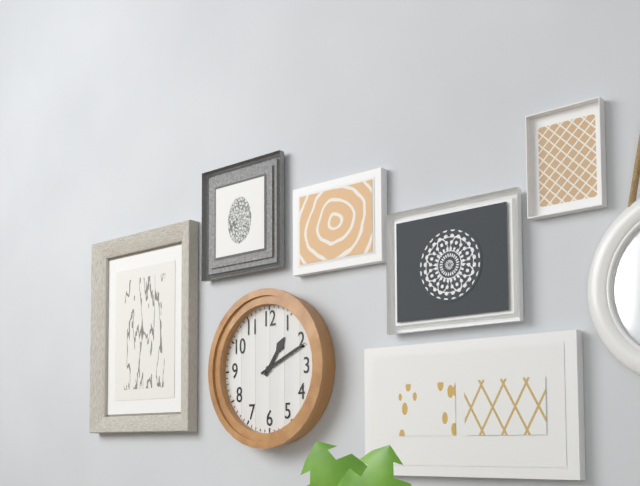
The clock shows **1:11**
